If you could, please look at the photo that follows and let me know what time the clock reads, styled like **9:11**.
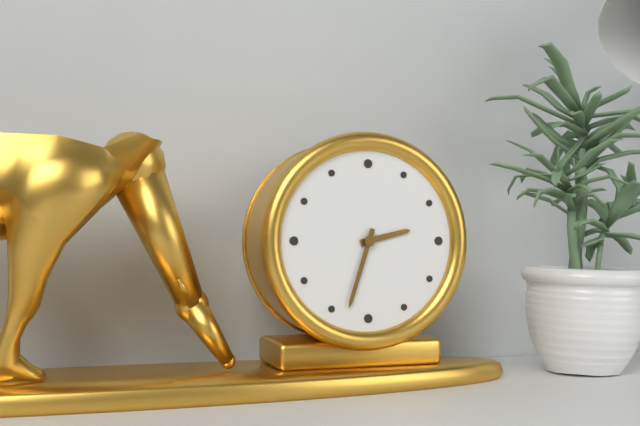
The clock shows **2:33**
